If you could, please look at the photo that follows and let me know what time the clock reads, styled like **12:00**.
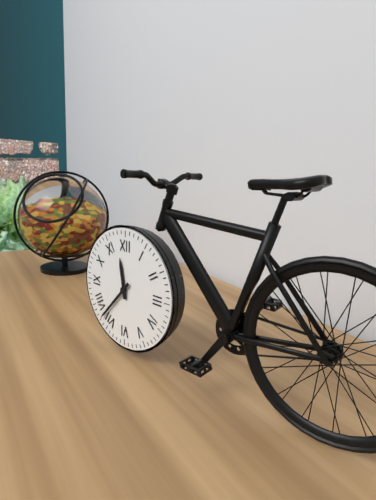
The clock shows **11:37**
